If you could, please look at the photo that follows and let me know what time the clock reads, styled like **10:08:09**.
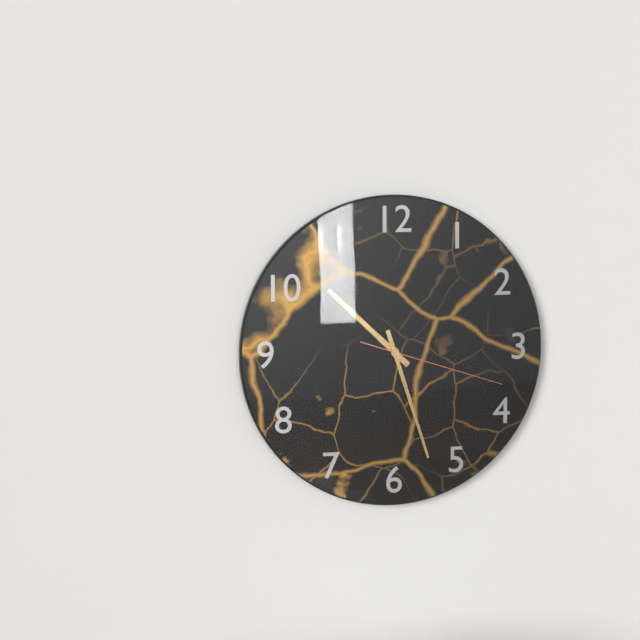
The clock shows **10:27:18**
